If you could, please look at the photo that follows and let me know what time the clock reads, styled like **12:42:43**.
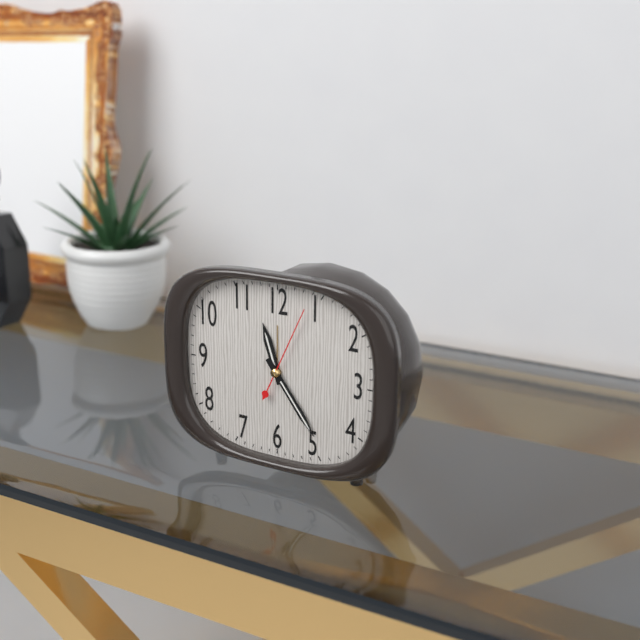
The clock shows **11:24:04**
